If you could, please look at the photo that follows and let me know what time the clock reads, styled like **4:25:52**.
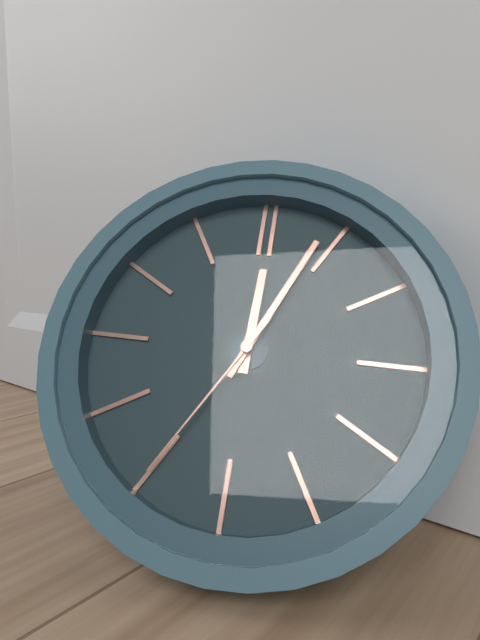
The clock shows **12:04:35**
